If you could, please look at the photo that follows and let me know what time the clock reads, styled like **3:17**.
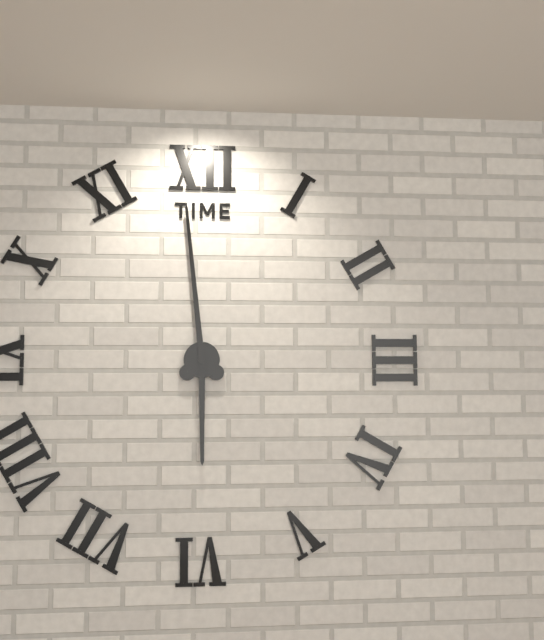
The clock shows **5:59**
